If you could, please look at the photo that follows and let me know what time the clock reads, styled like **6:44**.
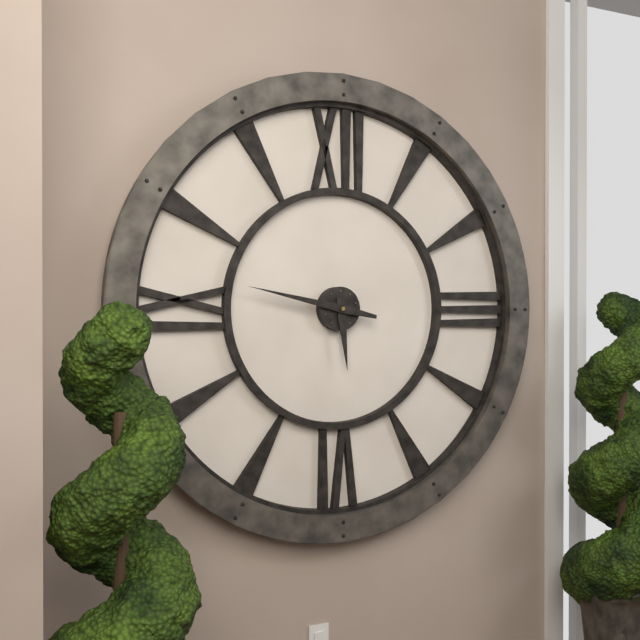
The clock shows **5:47**
